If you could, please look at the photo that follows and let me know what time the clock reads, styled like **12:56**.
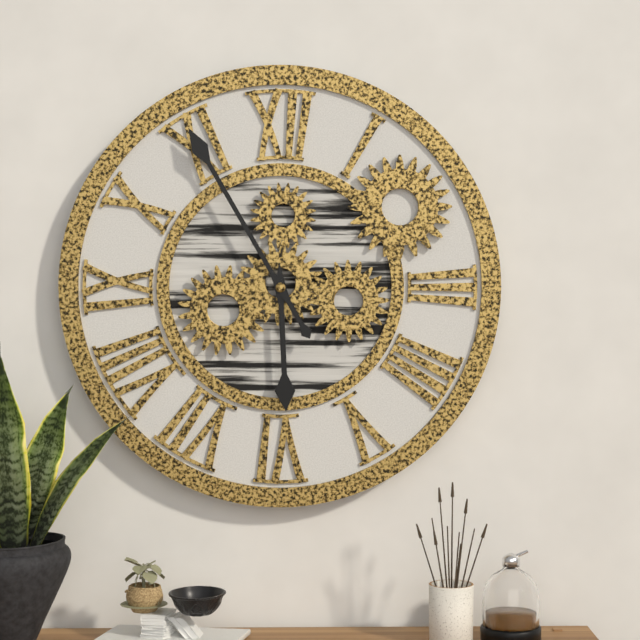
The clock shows **5:55**
